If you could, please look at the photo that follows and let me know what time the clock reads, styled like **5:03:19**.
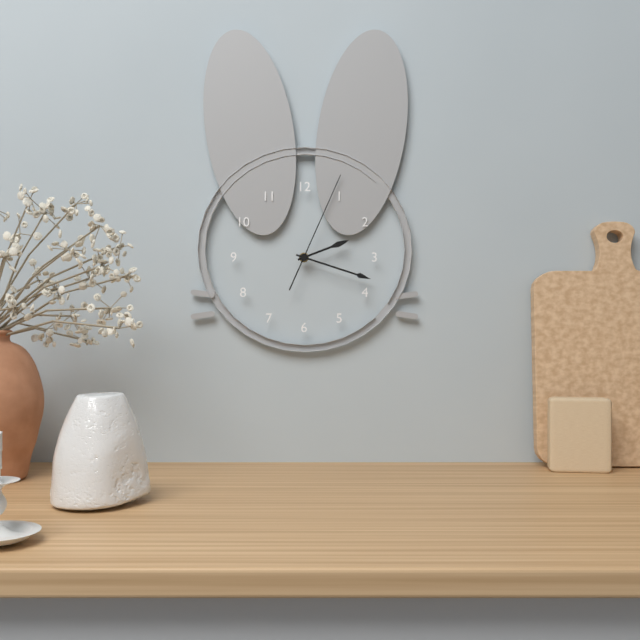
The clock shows **2:18:04**
